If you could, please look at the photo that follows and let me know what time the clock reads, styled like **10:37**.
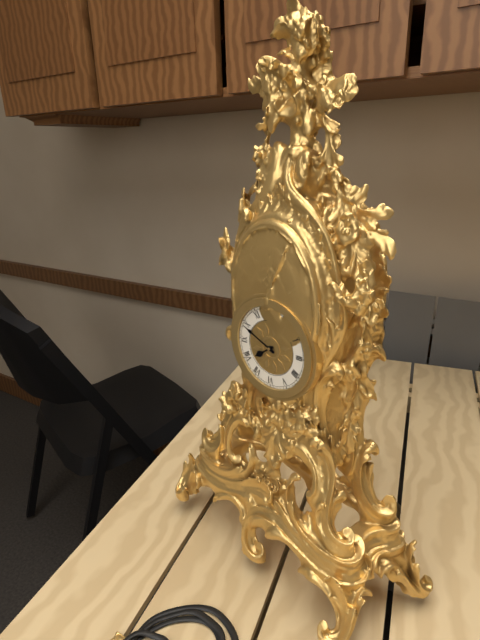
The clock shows **7:49**
